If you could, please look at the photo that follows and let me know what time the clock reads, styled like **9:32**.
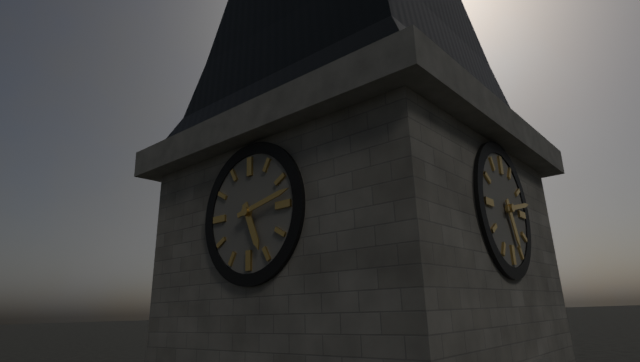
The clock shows **5:13**
